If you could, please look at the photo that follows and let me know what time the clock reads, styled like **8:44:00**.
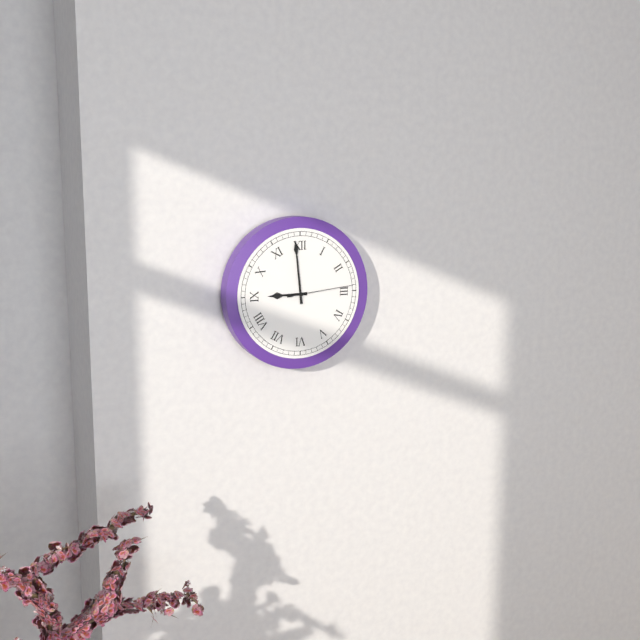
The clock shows **8:59:14**
